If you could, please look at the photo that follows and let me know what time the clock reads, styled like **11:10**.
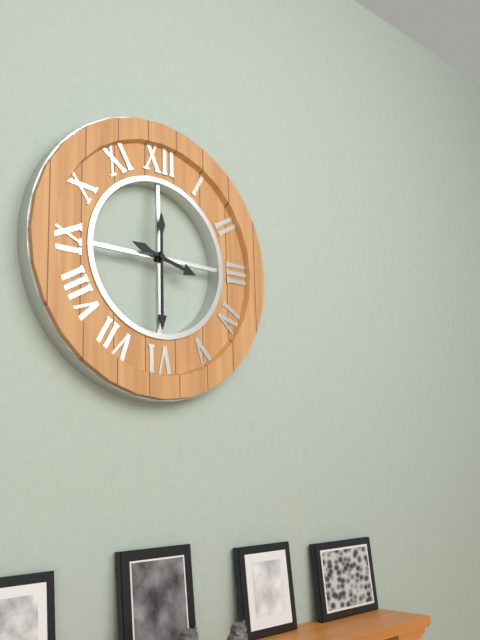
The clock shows **3:30**
